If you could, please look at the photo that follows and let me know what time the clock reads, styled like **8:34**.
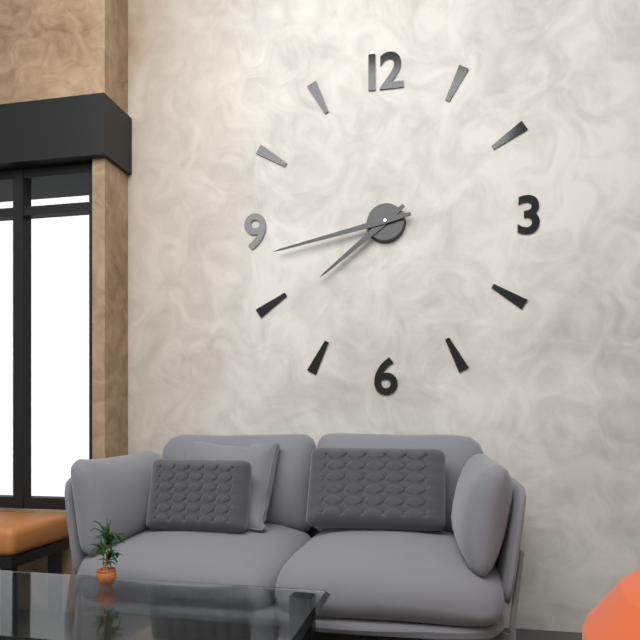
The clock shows **7:43**
